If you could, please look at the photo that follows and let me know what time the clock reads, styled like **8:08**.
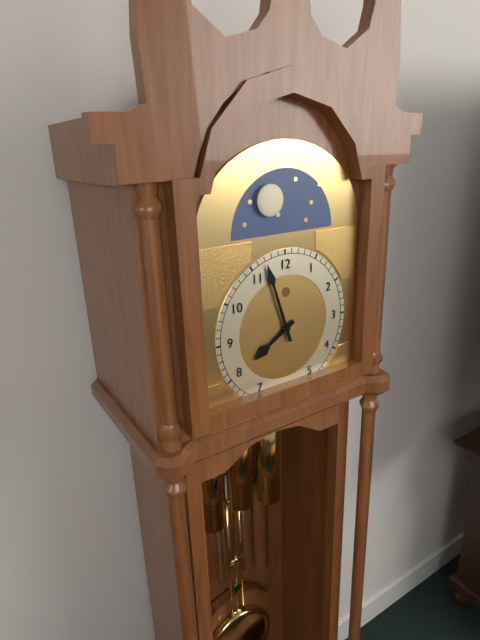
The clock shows **7:57**
